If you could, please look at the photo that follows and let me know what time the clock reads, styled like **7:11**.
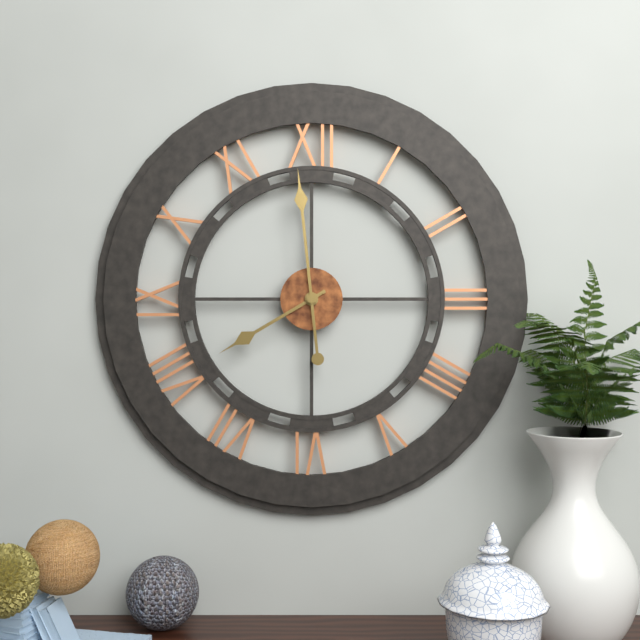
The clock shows **7:59**
